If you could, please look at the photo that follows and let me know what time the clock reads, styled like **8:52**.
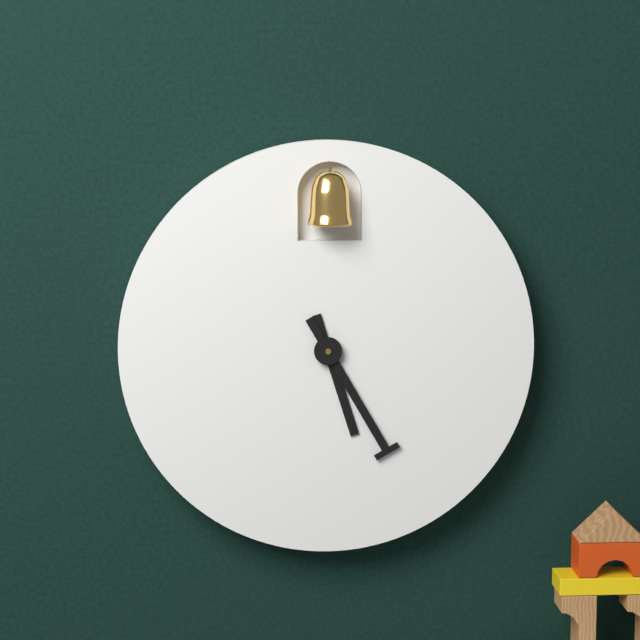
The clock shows **5:25**
